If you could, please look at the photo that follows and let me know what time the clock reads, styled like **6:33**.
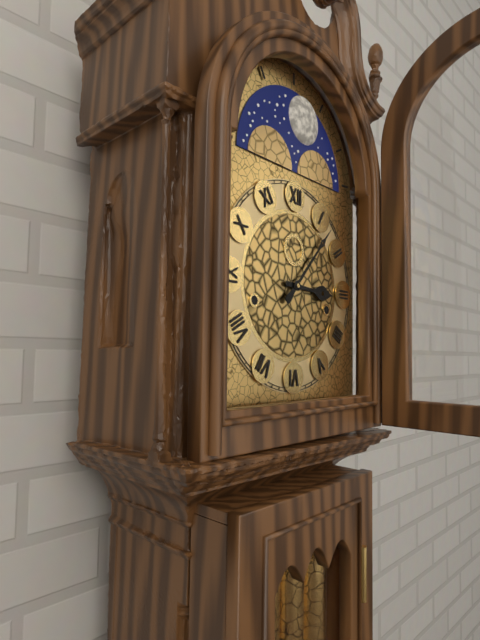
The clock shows **3:07**
